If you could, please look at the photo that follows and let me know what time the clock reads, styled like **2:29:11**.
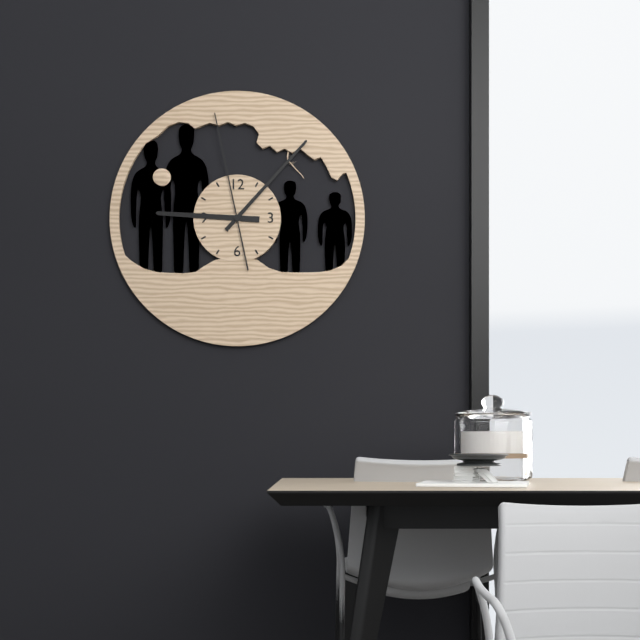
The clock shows **9:07:58**
